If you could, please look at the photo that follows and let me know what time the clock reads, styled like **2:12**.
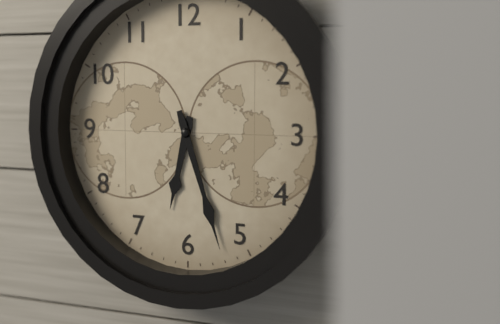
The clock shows **6:27**
